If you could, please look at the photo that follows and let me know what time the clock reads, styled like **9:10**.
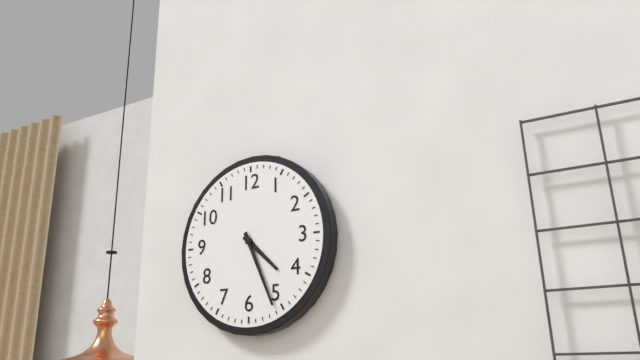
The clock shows **4:26**
